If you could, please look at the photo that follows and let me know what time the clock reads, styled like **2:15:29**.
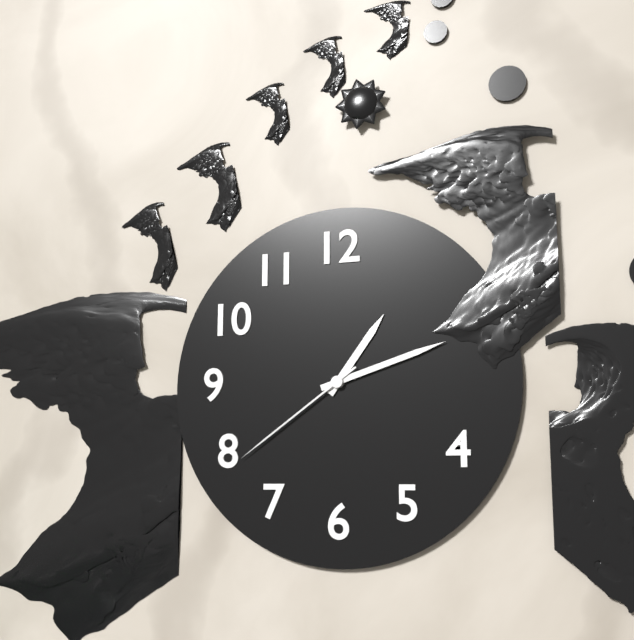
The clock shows **1:12:39**
